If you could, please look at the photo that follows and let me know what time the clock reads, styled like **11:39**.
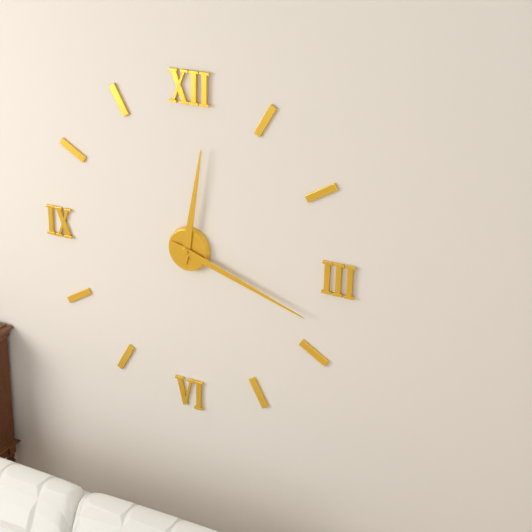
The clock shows **12:18**
